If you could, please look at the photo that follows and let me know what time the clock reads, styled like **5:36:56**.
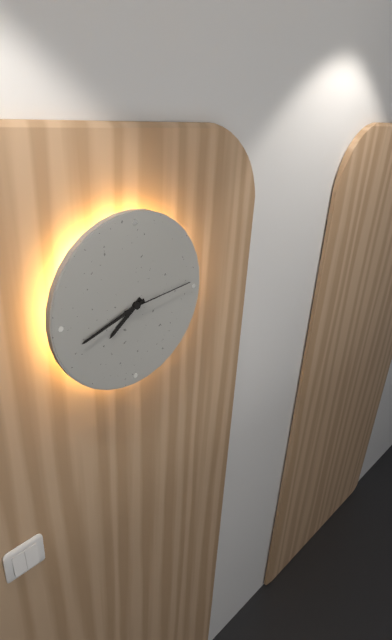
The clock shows **7:42:14**
